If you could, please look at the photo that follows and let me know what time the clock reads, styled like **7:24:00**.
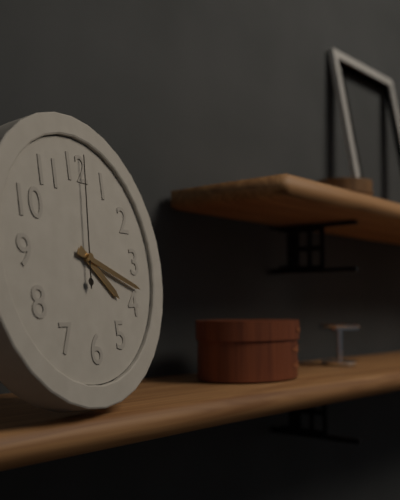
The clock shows **4:18:01**
